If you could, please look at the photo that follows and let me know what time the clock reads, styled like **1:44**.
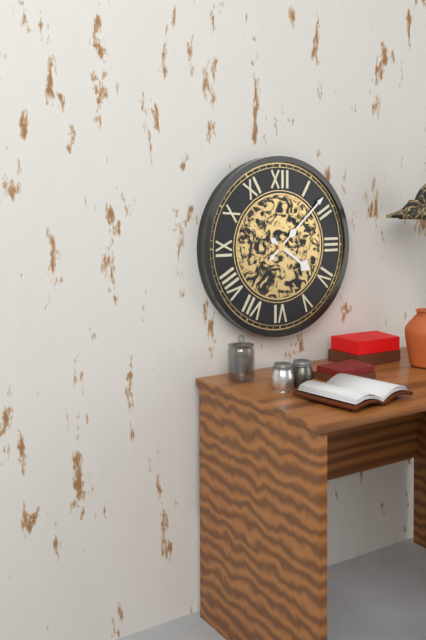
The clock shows **4:08**
